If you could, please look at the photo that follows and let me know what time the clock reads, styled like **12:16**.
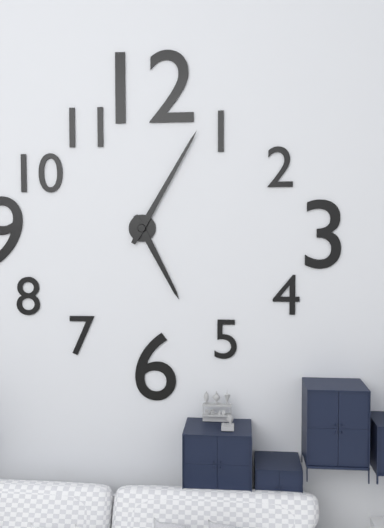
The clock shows **5:05**
